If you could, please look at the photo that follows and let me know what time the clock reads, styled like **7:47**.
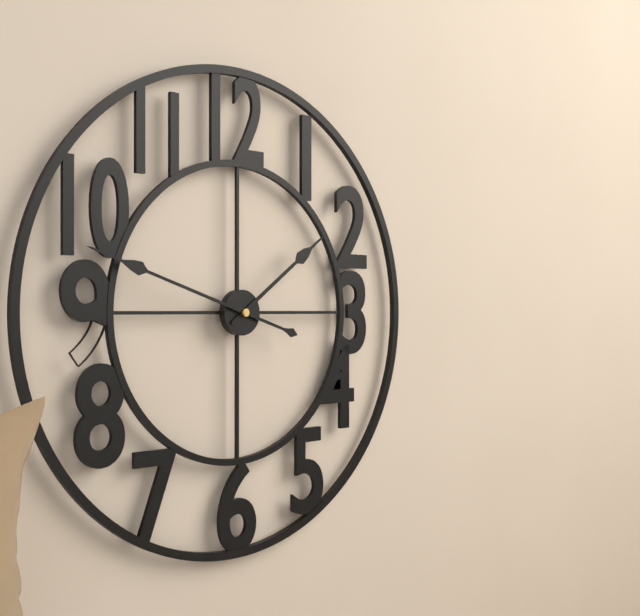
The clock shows **1:48**
